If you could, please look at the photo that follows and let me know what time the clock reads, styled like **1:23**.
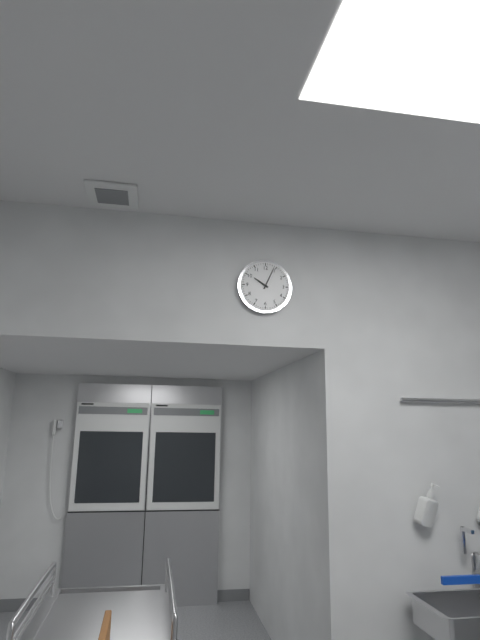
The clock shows **10:04**
